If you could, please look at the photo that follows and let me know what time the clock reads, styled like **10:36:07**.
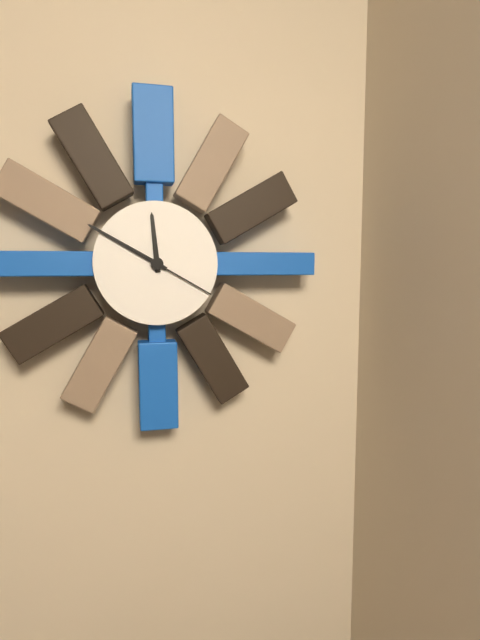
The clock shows **11:50:20**
